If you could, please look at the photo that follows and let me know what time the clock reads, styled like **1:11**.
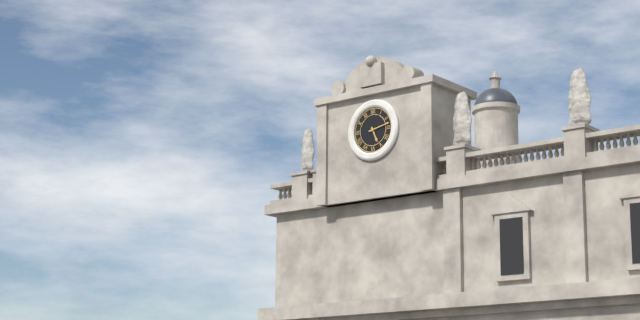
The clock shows **5:13**
